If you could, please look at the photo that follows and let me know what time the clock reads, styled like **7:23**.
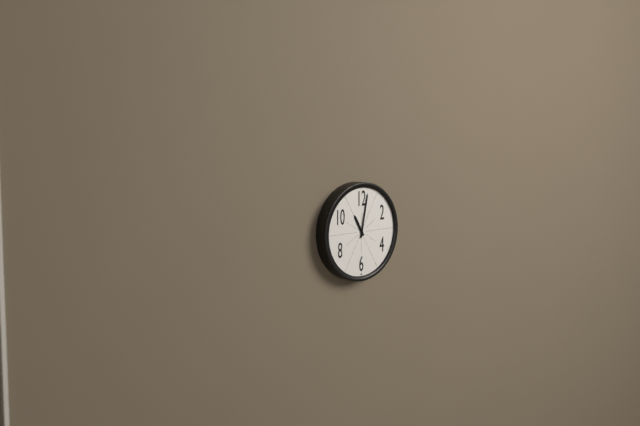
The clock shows **11:02**
